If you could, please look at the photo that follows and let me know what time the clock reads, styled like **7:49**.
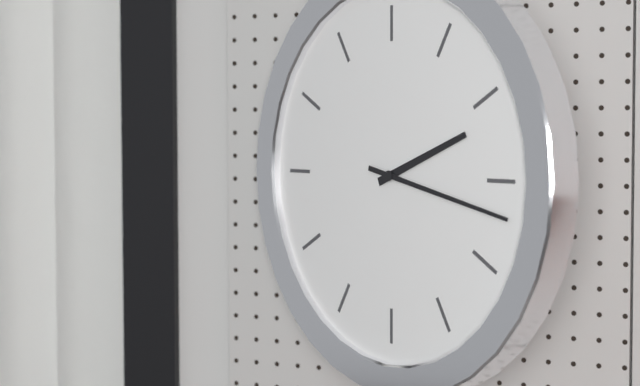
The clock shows **2:17**
